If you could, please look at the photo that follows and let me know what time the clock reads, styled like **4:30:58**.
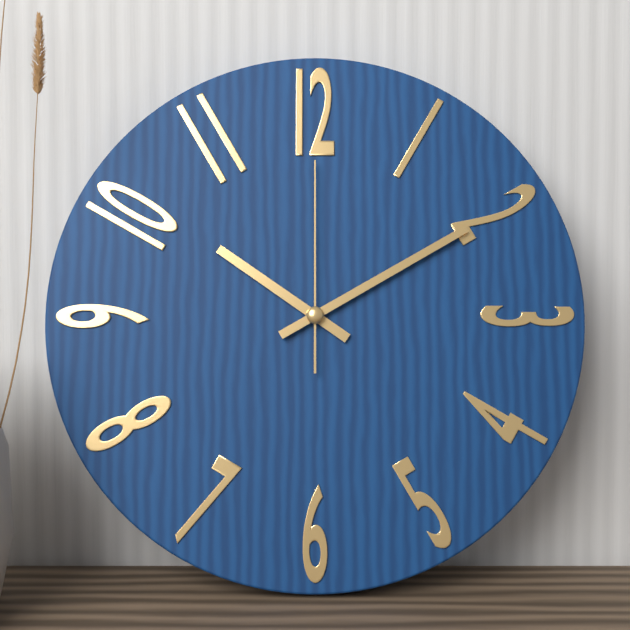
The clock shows **10:10:00**
